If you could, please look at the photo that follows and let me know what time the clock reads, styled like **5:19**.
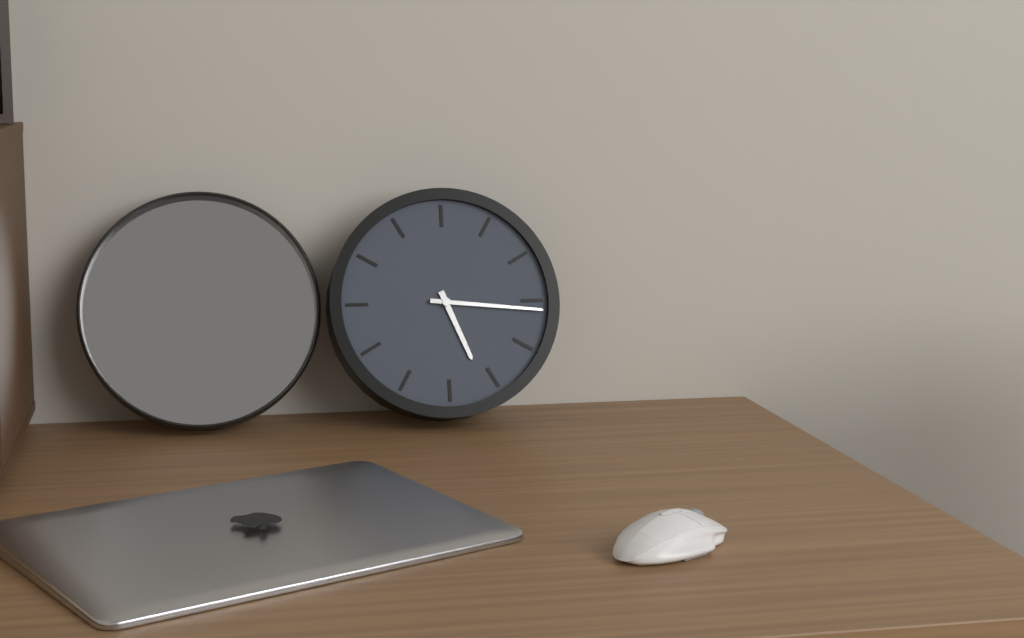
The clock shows **5:16**
